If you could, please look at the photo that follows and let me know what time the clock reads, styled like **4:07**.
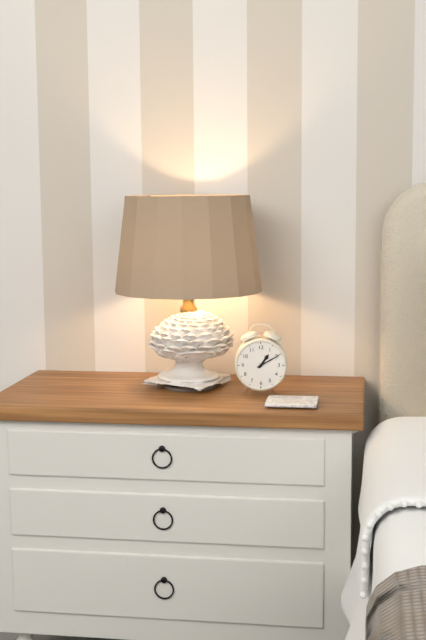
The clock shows **1:10**
